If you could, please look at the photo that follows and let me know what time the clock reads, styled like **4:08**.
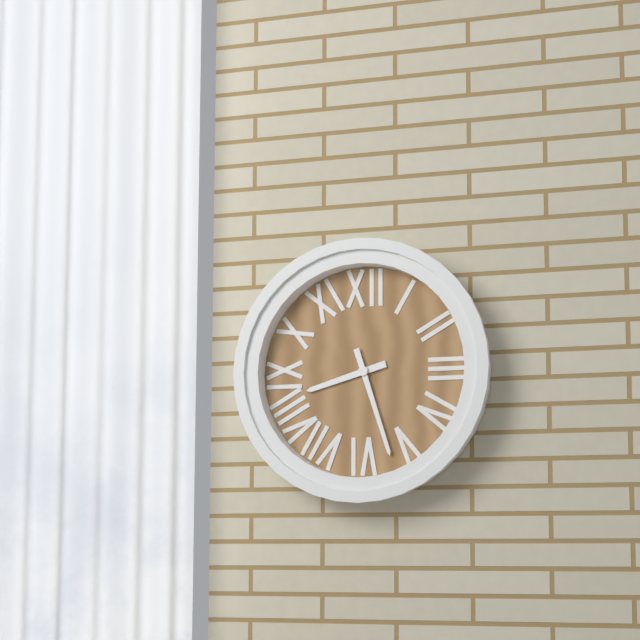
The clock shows **8:27**
